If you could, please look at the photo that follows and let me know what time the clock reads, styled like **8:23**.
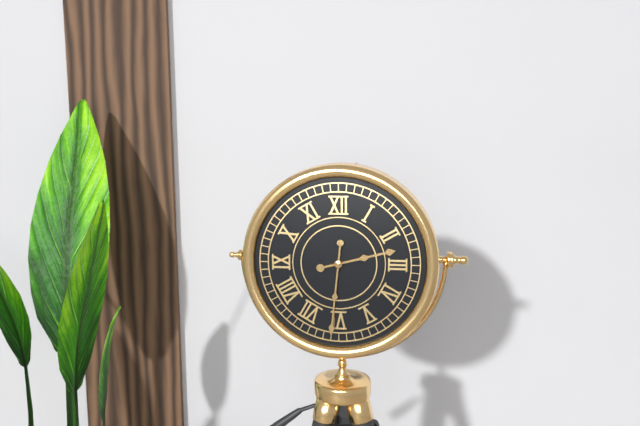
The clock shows **2:31**
